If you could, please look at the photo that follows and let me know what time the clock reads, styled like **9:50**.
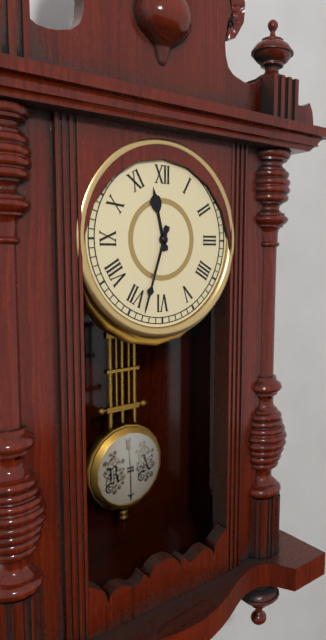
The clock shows **11:33**
